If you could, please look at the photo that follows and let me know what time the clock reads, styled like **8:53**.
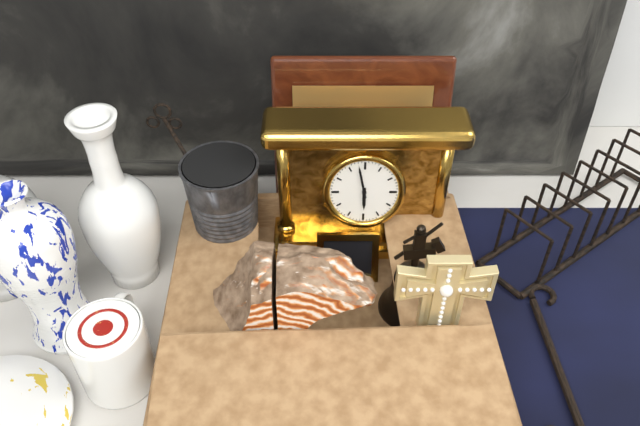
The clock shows **5:58**
